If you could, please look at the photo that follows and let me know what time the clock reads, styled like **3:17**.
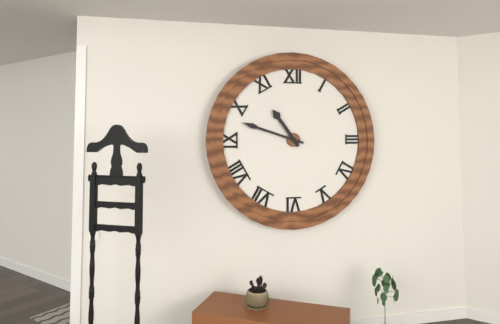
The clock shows **10:48**
